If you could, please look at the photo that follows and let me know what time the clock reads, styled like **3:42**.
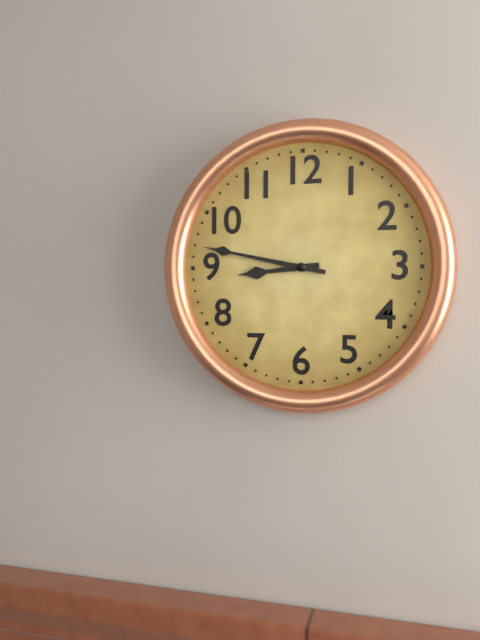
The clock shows **8:47**
